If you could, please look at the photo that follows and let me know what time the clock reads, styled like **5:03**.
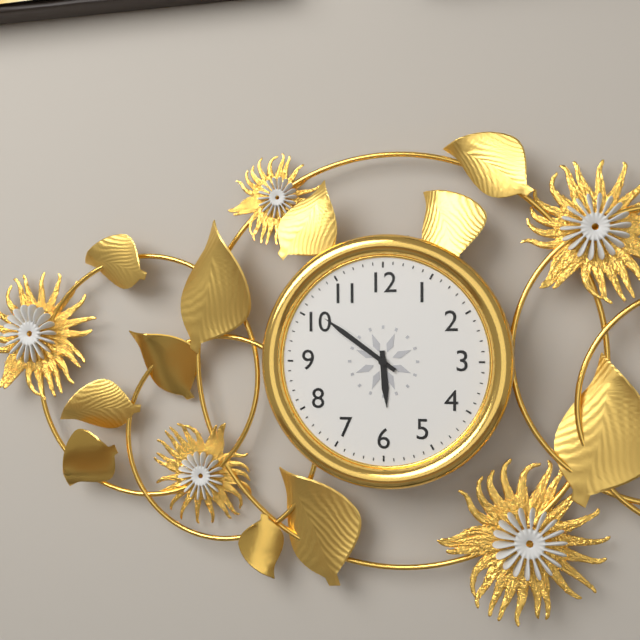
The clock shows **5:51**
